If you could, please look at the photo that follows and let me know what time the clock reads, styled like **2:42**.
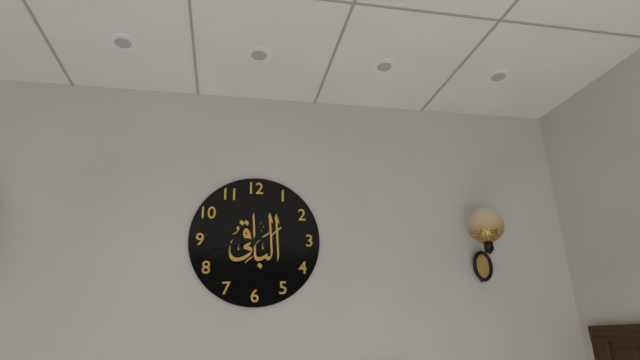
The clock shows **12:43**
